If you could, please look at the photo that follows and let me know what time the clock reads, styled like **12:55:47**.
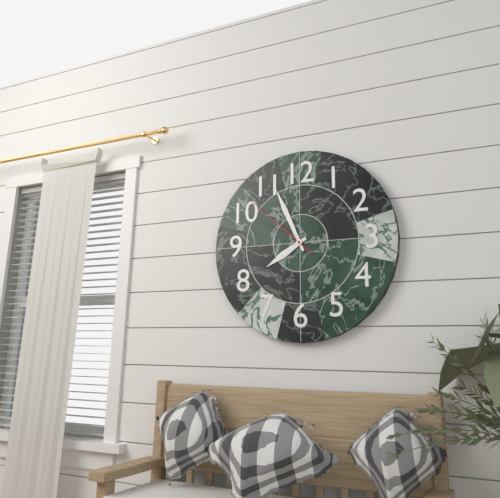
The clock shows **7:56:52**
